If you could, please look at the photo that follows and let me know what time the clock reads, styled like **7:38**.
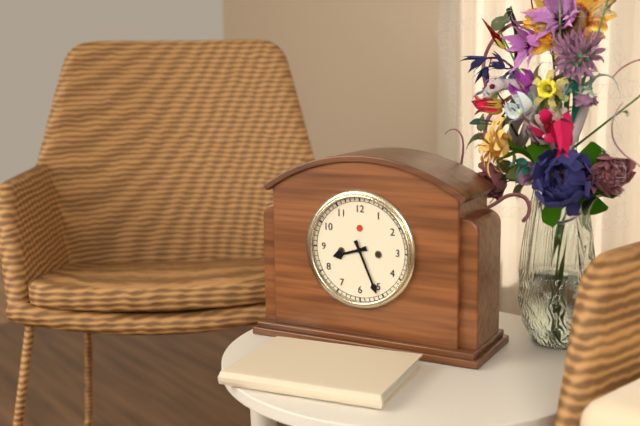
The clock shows **8:26**
